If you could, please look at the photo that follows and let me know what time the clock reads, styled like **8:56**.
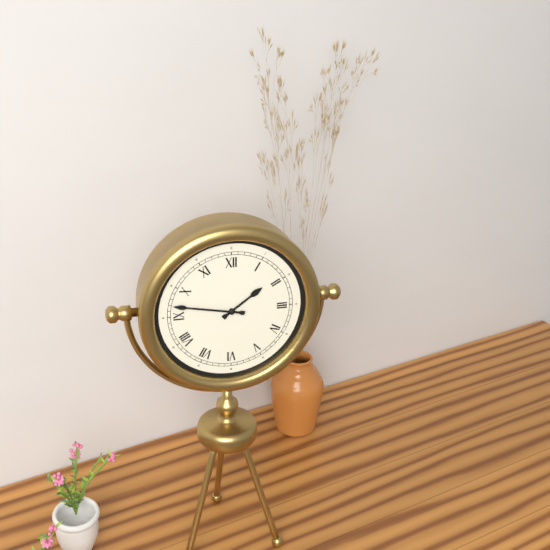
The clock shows **1:47**
